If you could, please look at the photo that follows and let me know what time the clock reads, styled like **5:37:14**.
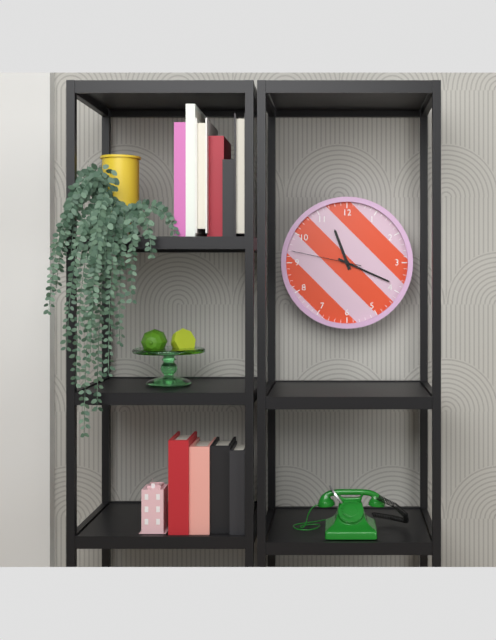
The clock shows **11:19:47**
